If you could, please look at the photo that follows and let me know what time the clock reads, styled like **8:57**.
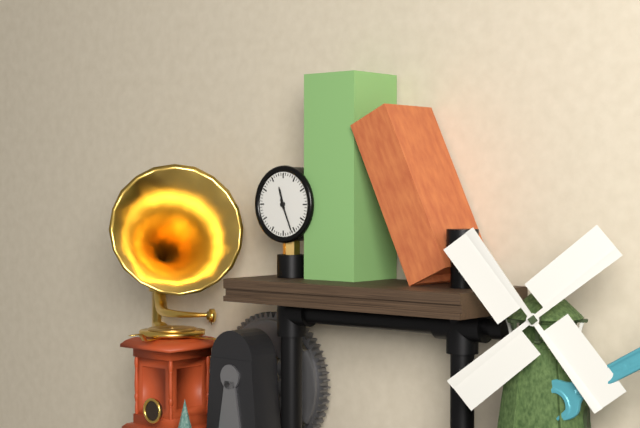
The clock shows **11:26**
